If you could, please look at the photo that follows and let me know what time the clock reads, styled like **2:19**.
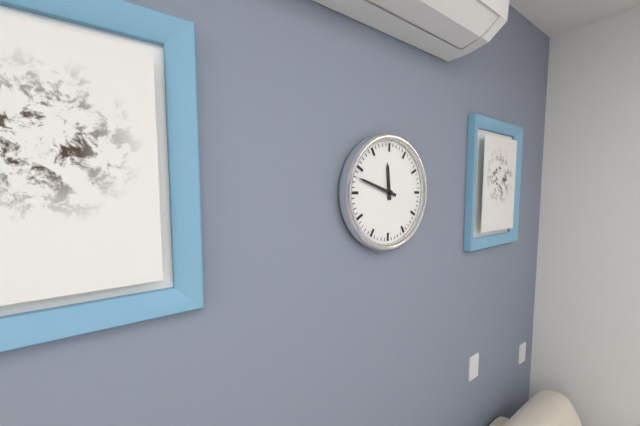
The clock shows **11:48**
